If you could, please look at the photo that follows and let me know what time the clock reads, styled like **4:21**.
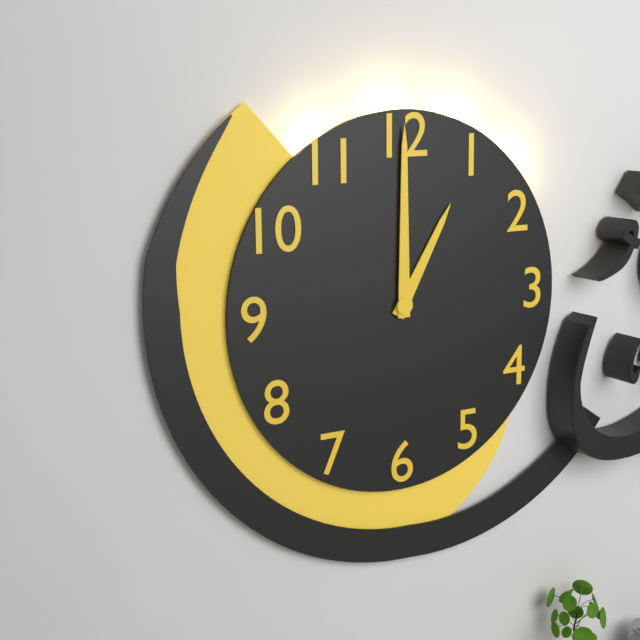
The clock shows **1:00**
